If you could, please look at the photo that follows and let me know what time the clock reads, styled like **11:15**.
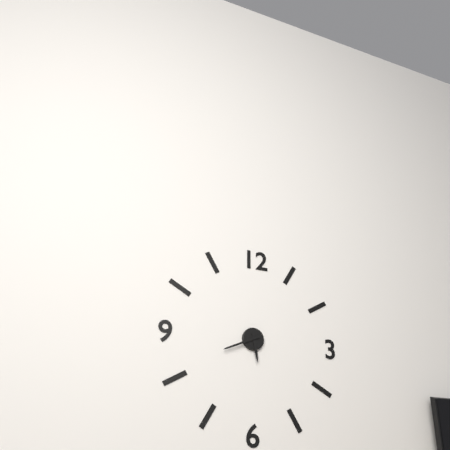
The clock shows **5:41**
